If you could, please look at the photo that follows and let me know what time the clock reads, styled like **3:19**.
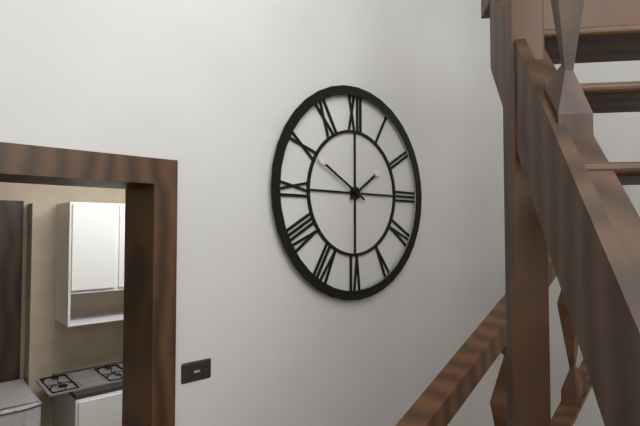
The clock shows **1:50**
